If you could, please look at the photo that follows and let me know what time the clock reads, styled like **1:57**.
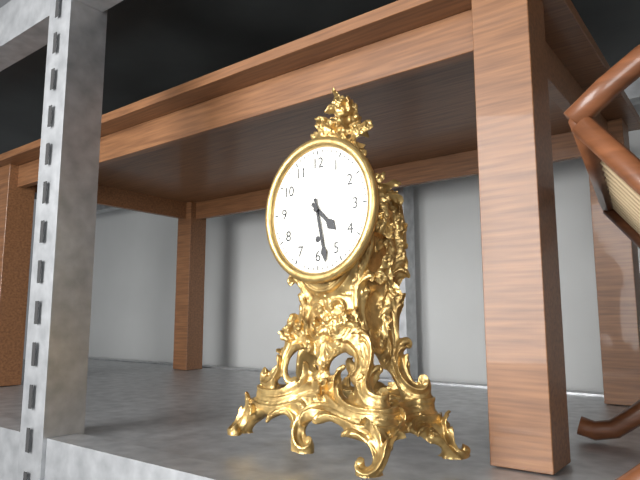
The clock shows **4:28**
